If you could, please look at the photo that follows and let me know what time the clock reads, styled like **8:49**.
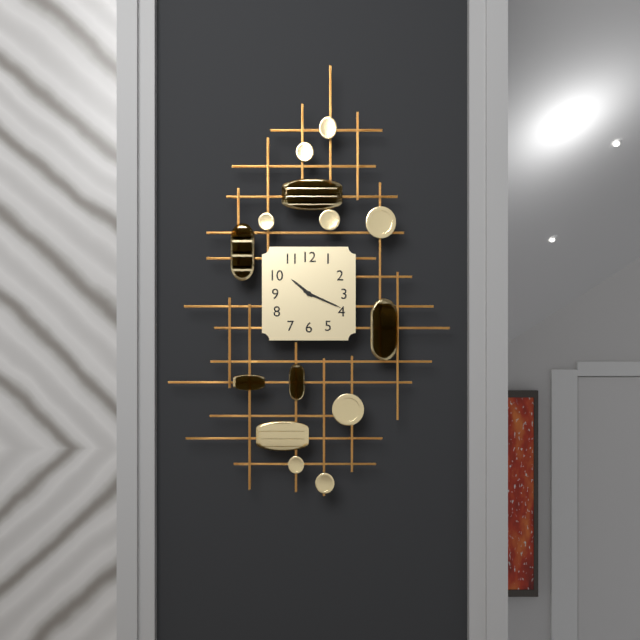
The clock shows **10:19**
